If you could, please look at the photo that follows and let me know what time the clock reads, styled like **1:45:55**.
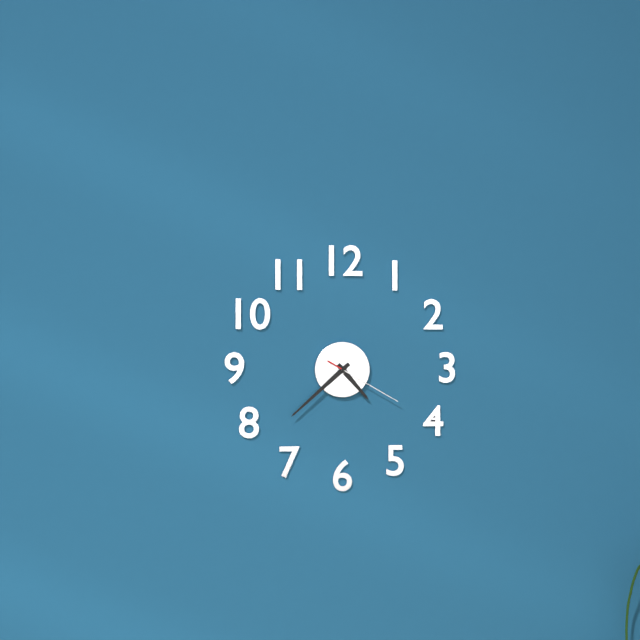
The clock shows **4:38:20**
